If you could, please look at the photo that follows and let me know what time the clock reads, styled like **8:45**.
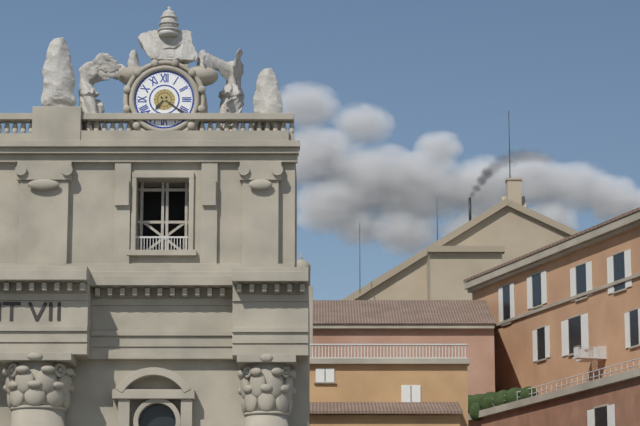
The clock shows **7:21**
